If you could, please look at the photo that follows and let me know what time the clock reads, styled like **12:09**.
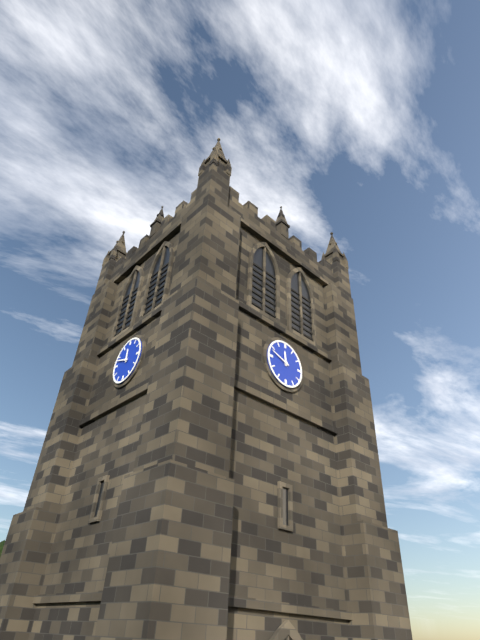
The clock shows **11:48**
